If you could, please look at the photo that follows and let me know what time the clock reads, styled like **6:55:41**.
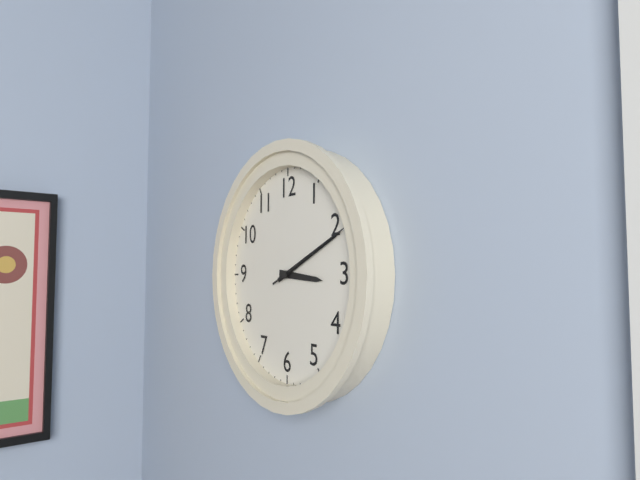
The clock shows **3:11:11**
